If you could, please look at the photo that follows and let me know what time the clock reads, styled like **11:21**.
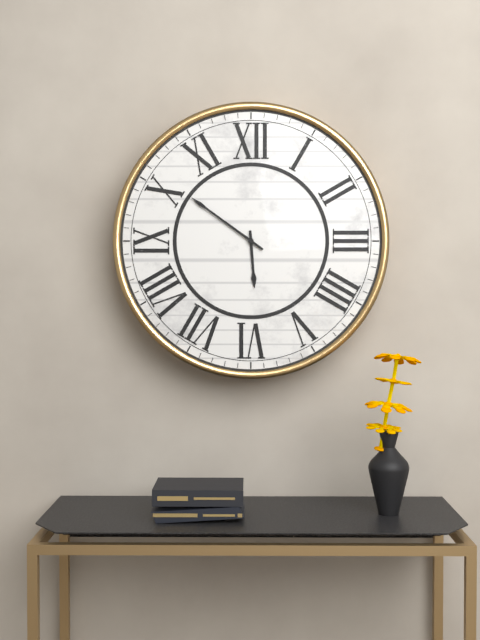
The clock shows **5:51**
